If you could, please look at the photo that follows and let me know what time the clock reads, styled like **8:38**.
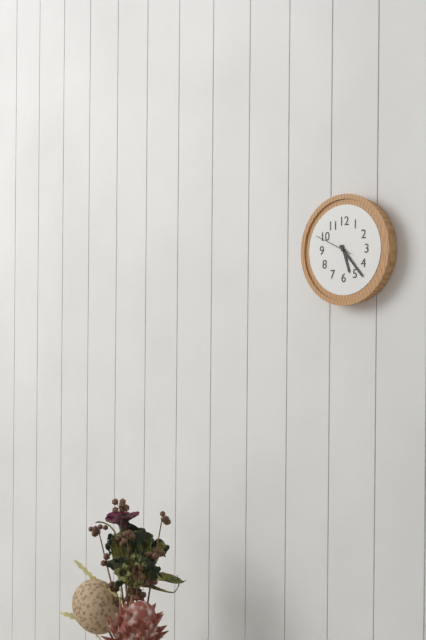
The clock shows **5:23**
